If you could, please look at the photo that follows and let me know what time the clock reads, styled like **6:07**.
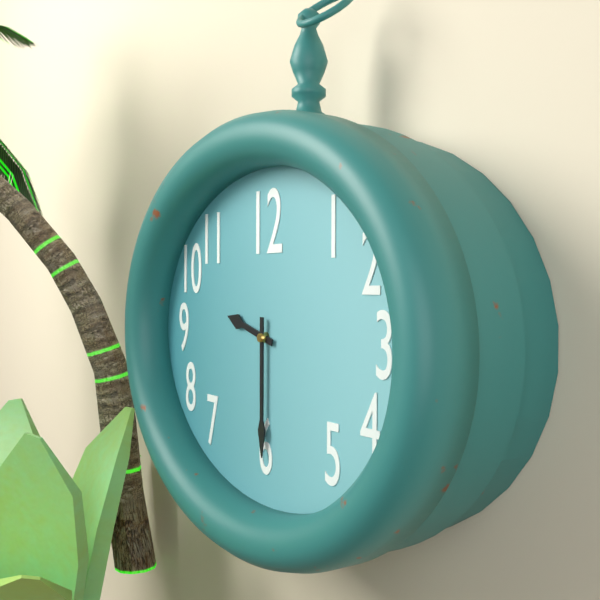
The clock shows **9:30**
